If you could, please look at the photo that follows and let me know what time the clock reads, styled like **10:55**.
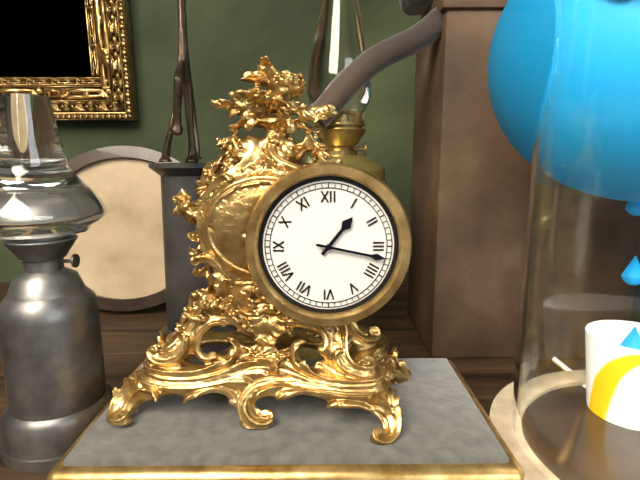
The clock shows **1:17**
